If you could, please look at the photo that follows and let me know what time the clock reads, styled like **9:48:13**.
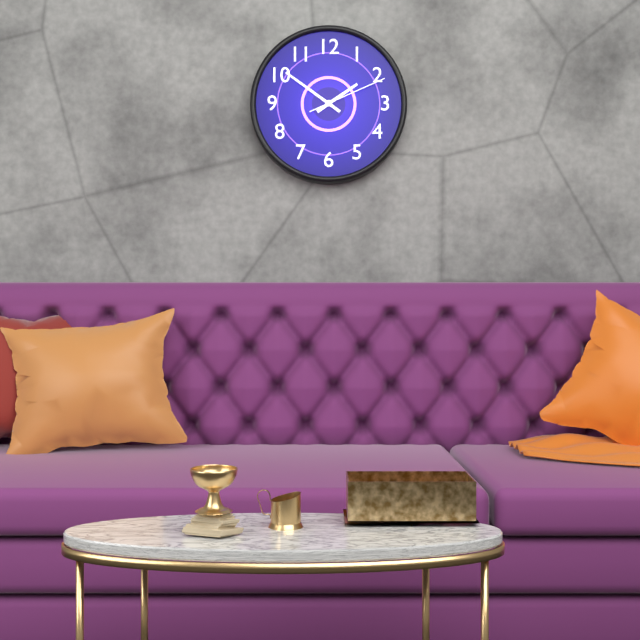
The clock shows **1:51:11**
